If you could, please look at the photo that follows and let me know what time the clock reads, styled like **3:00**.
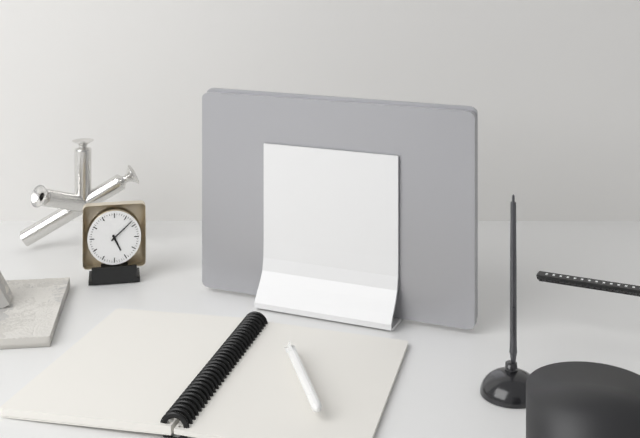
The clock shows **5:08**
